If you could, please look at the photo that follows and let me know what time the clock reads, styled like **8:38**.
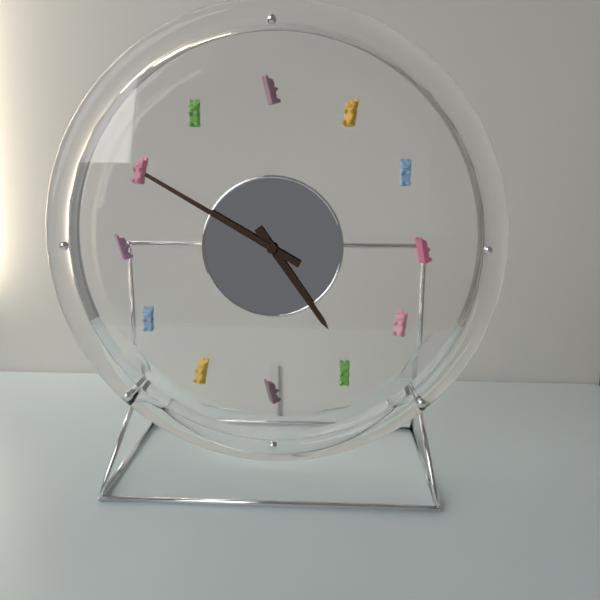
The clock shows **4:50**
